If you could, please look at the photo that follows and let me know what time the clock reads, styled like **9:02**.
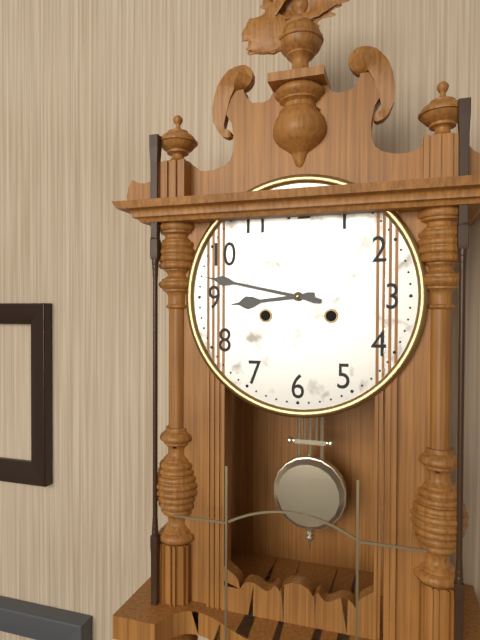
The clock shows **8:47**
